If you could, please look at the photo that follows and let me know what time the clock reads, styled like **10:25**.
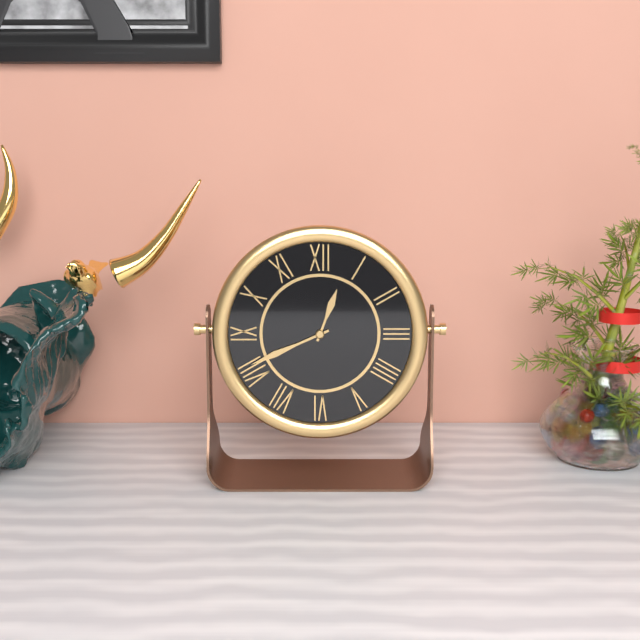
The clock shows **12:41**
